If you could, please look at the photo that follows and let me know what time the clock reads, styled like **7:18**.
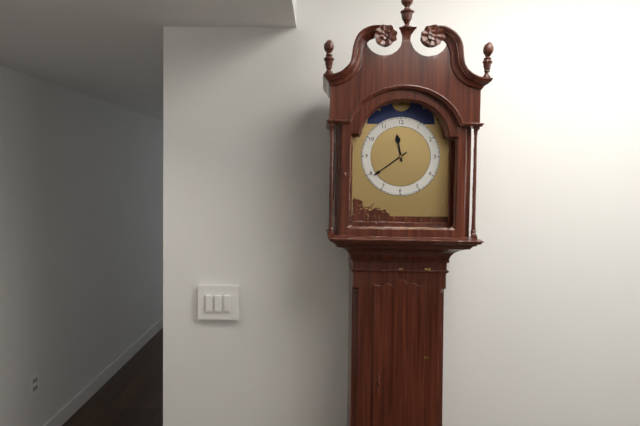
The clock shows **11:39**
